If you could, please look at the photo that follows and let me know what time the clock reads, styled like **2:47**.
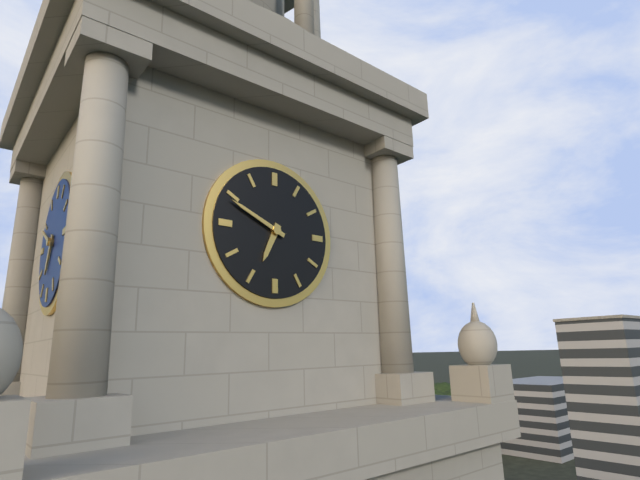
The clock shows **6:49**
